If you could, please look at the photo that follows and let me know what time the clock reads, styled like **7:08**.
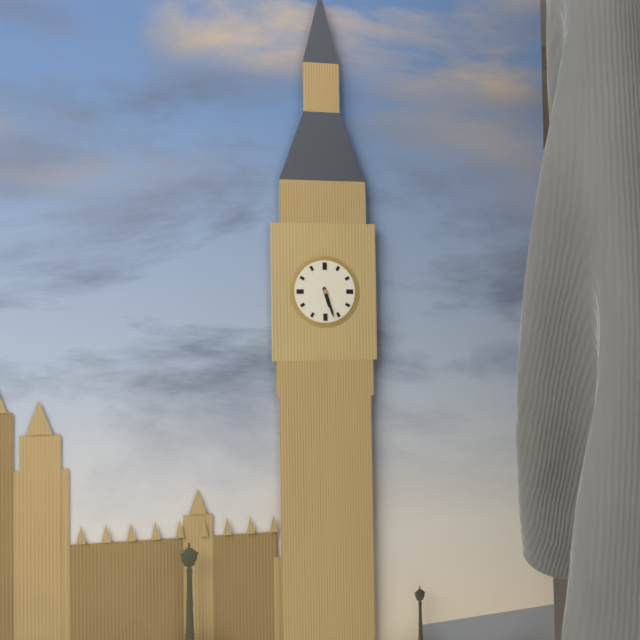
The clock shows **5:27**
